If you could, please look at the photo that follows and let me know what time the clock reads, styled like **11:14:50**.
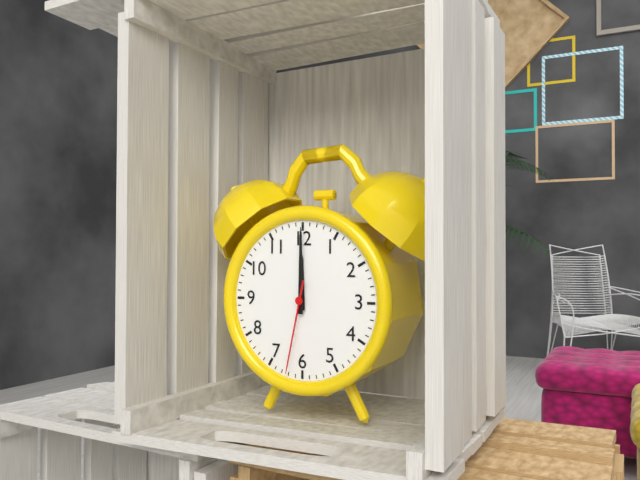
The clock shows **12:00:32**
